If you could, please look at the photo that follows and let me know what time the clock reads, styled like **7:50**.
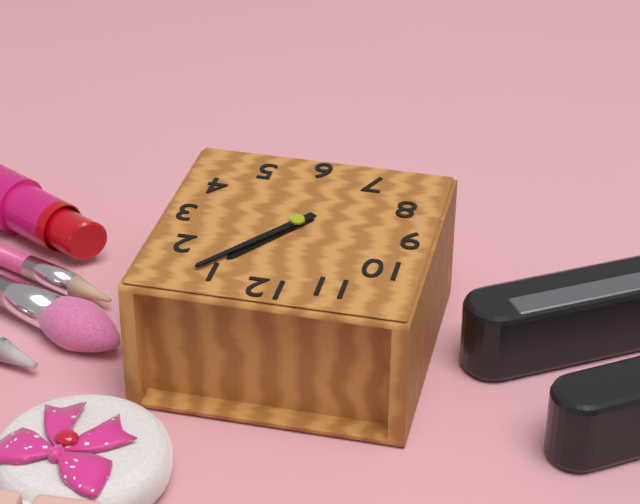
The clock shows **1:06**
